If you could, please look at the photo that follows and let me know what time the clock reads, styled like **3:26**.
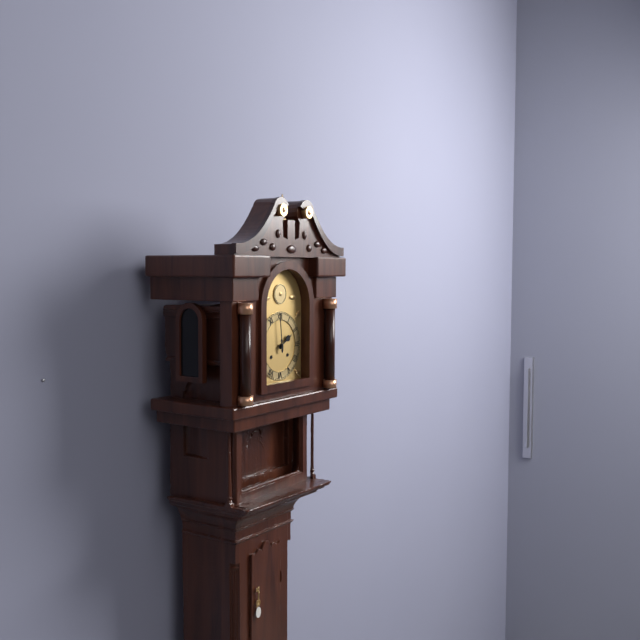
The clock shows **1:59**
